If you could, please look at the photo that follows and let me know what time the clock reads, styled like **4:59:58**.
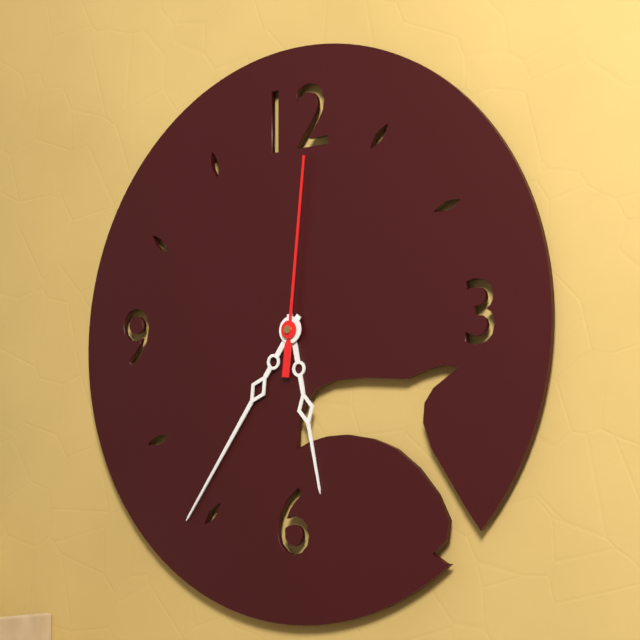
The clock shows **5:36:01**
